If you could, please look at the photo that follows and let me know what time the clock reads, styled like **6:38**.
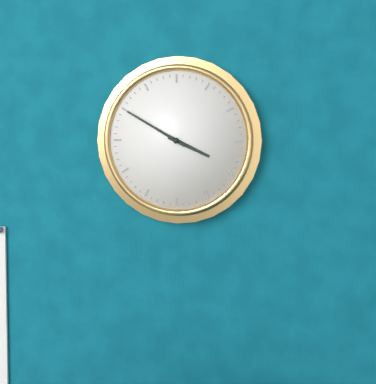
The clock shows **3:50**
